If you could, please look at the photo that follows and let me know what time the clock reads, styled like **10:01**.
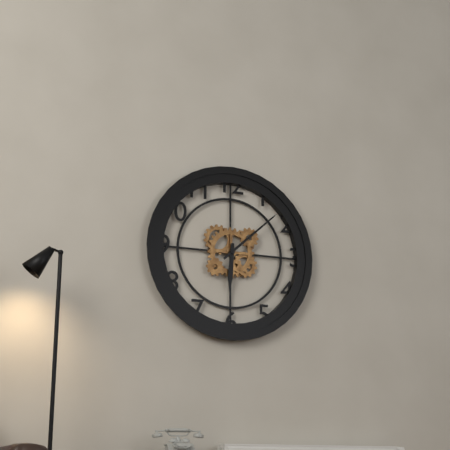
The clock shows **6:08**
